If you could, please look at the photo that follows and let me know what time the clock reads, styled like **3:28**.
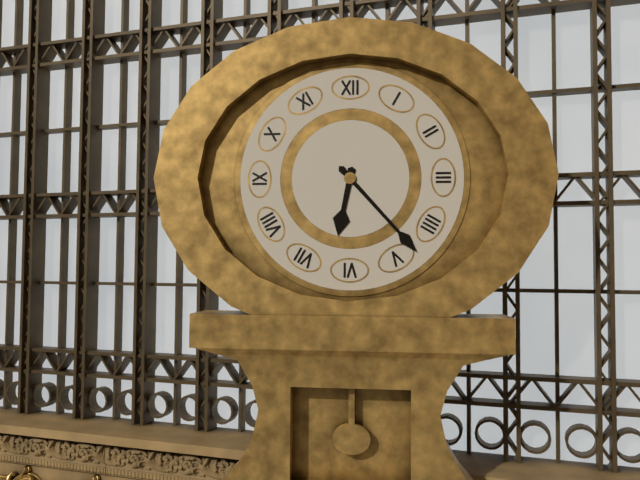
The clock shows **6:23**
